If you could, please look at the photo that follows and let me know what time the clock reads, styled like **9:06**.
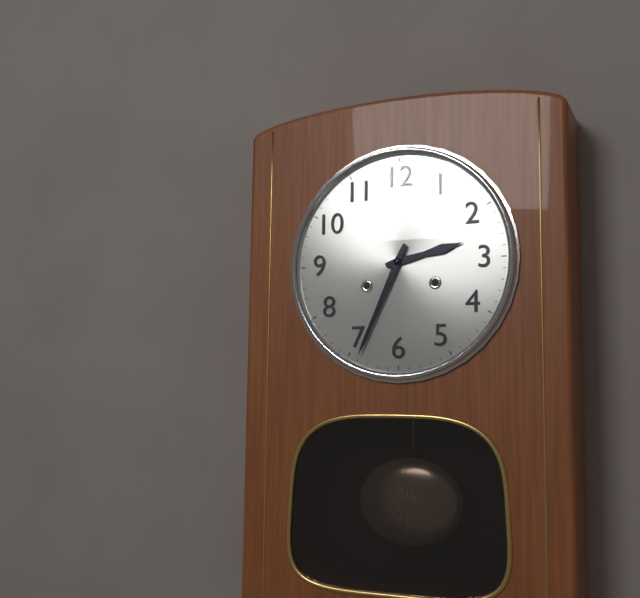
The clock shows **2:34**
